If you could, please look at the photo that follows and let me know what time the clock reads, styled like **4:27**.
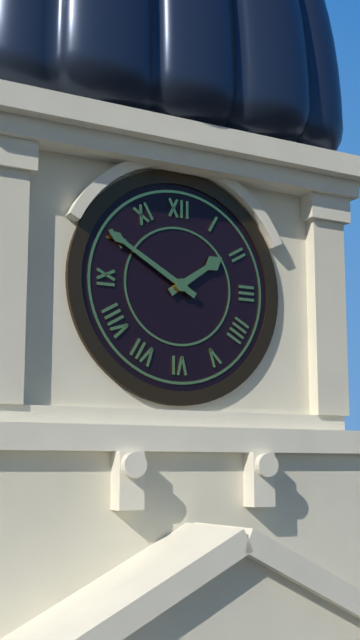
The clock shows **1:50**
